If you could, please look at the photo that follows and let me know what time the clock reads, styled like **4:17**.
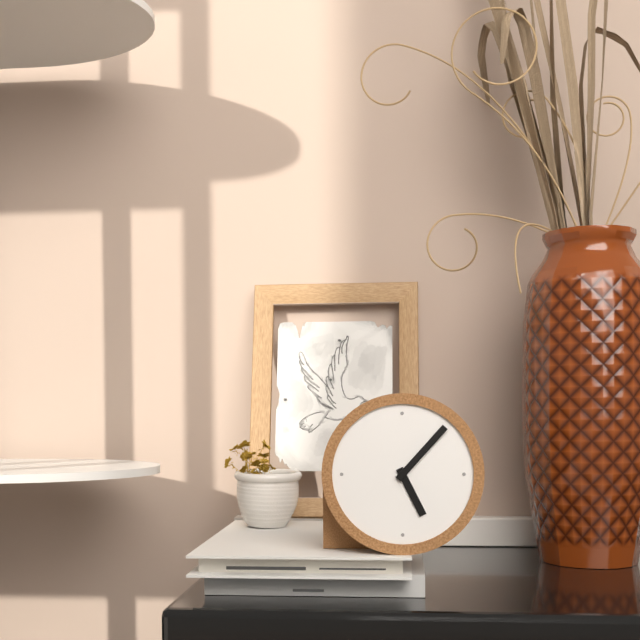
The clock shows **5:07**
